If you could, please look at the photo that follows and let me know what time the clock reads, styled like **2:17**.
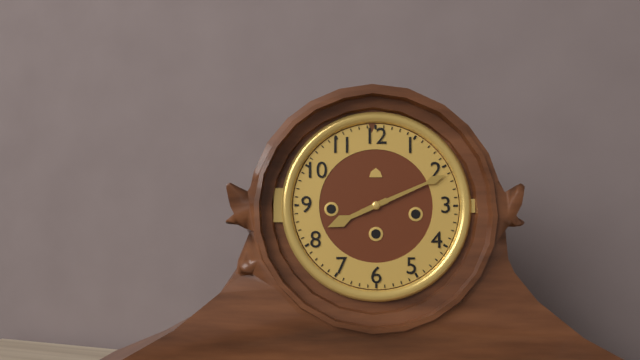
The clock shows **8:11**
